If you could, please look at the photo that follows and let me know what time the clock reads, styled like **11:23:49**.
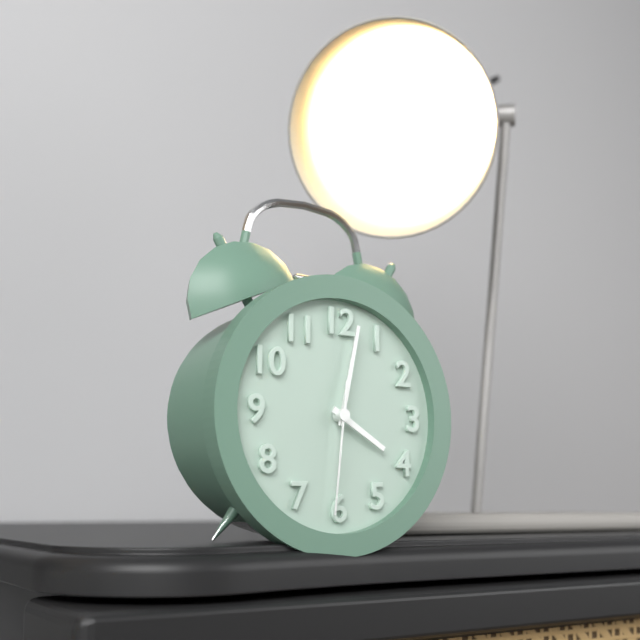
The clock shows **4:02:31**
